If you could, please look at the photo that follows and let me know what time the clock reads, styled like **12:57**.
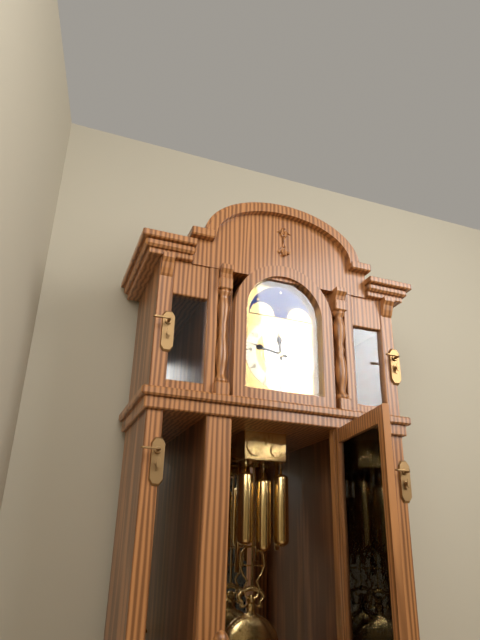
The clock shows **11:47**
